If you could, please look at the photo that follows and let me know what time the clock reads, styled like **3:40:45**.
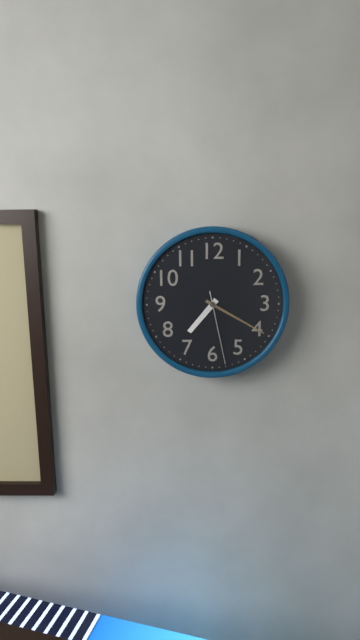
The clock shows **7:20:28**
